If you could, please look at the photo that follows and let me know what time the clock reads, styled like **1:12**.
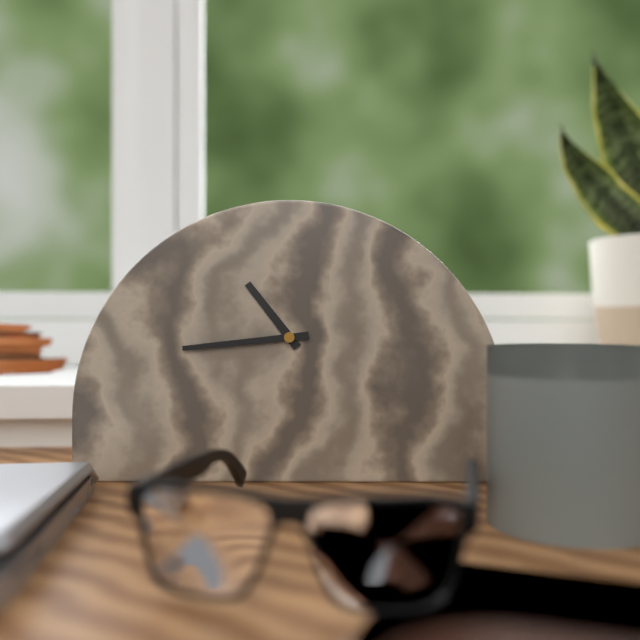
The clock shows **10:44**
